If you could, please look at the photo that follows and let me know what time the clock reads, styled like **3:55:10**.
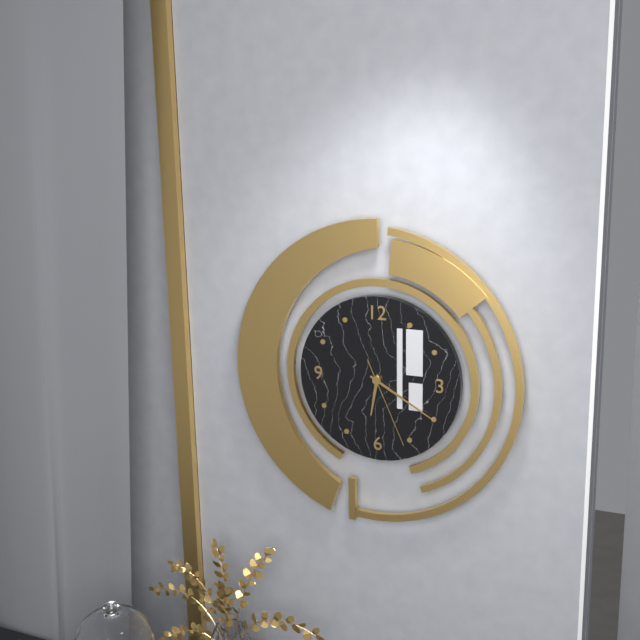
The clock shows **6:20:26**
